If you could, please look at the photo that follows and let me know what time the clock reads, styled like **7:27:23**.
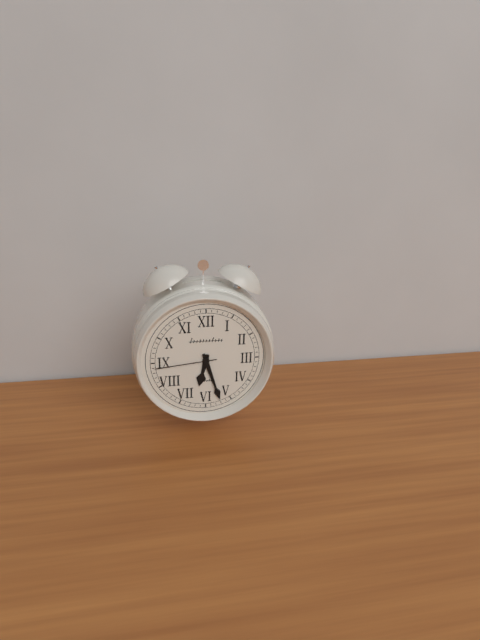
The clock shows **6:27:44**
